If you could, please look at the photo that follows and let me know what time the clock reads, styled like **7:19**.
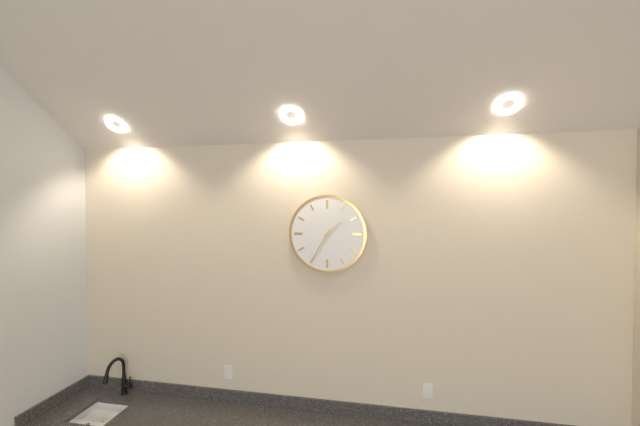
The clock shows **1:35**
